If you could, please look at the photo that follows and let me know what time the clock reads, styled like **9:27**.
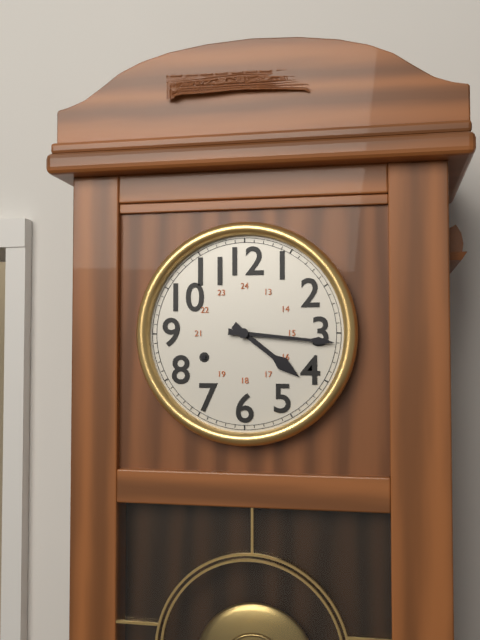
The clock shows **4:16**
